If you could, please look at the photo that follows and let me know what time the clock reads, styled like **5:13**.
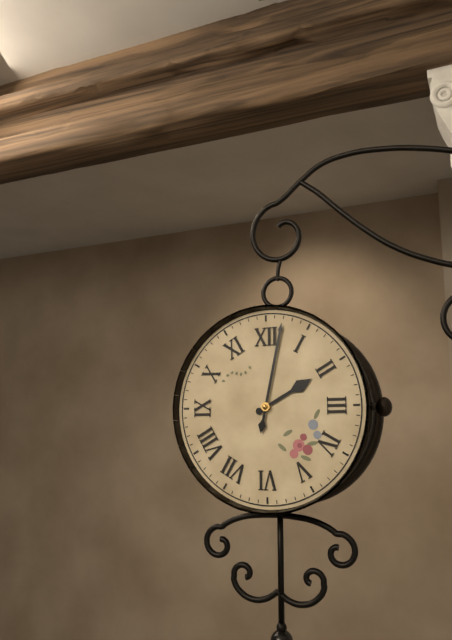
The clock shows **2:02**
